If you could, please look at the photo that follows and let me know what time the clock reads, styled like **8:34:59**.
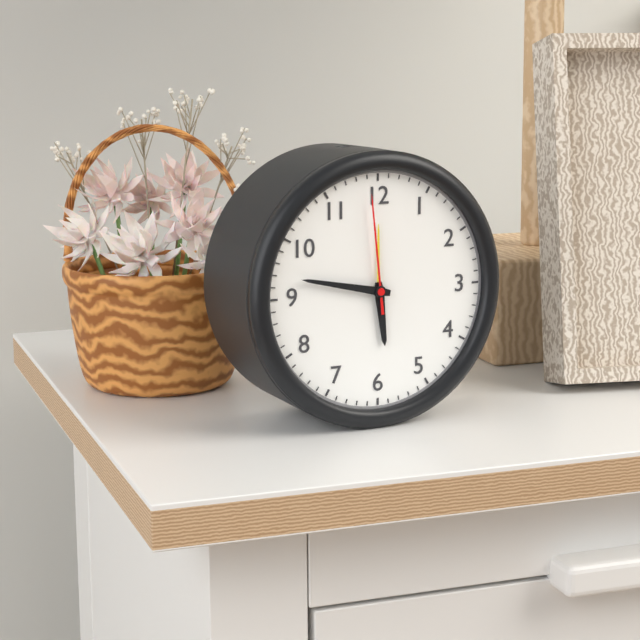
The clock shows **5:47:59**
